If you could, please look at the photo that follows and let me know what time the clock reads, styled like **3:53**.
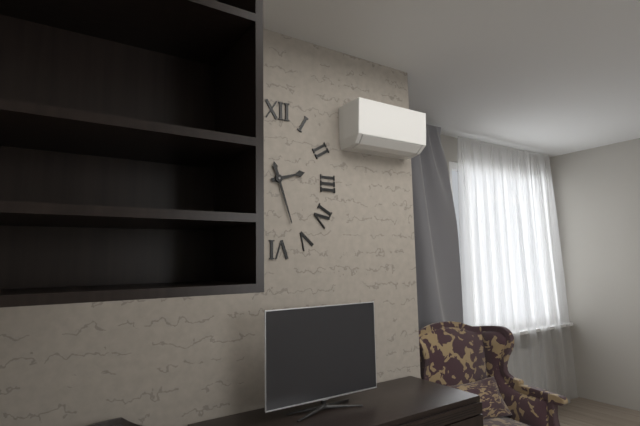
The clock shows **2:27**
